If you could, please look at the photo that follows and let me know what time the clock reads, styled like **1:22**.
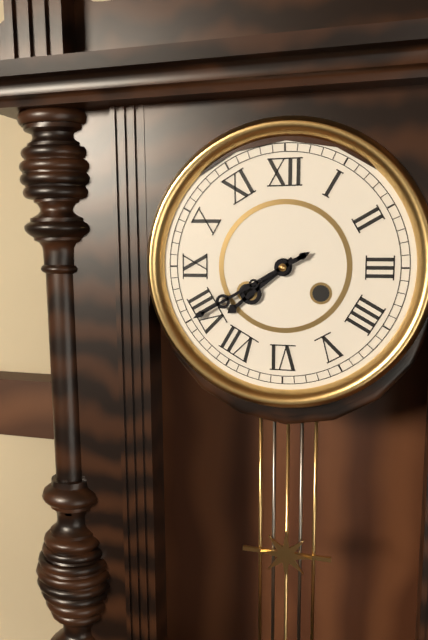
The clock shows **7:40**
